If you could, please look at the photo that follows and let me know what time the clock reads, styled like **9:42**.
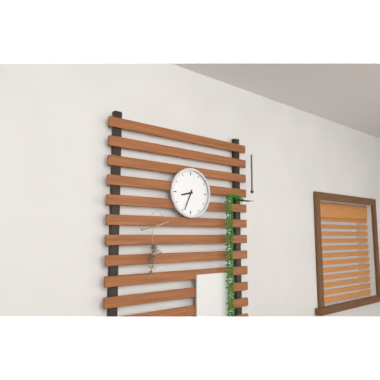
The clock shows **8:34**
